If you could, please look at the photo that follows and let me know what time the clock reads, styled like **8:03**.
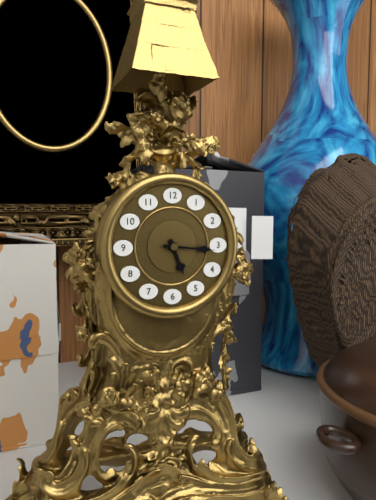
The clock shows **5:16**
